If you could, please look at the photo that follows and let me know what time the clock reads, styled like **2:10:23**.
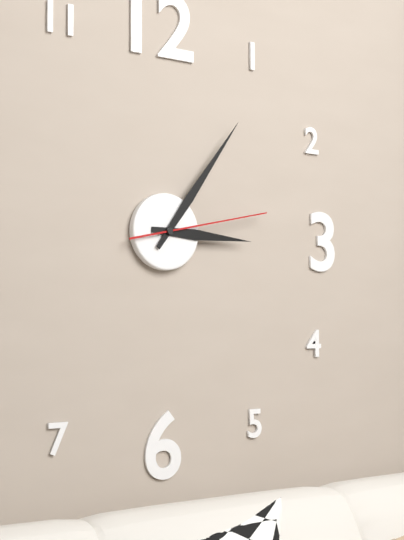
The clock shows **3:06:13**
